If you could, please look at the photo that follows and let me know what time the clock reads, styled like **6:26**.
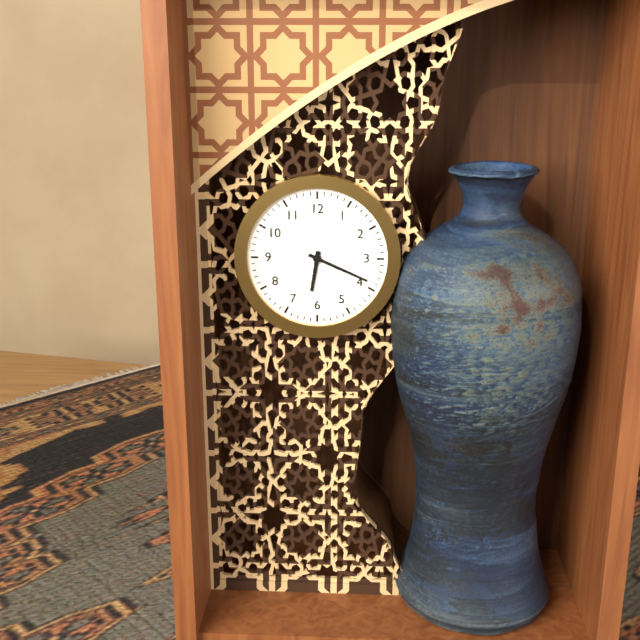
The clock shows **6:19**
